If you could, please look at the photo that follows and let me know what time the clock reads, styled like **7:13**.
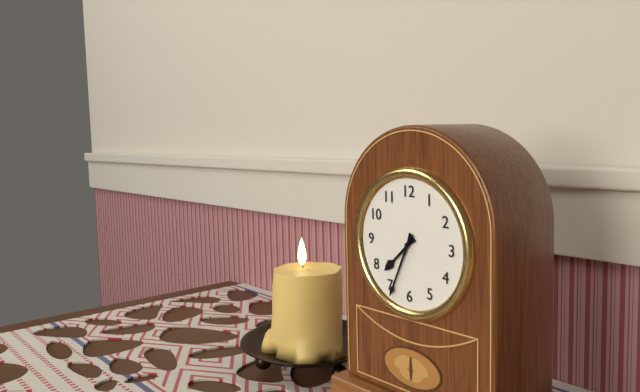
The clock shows **7:34**
